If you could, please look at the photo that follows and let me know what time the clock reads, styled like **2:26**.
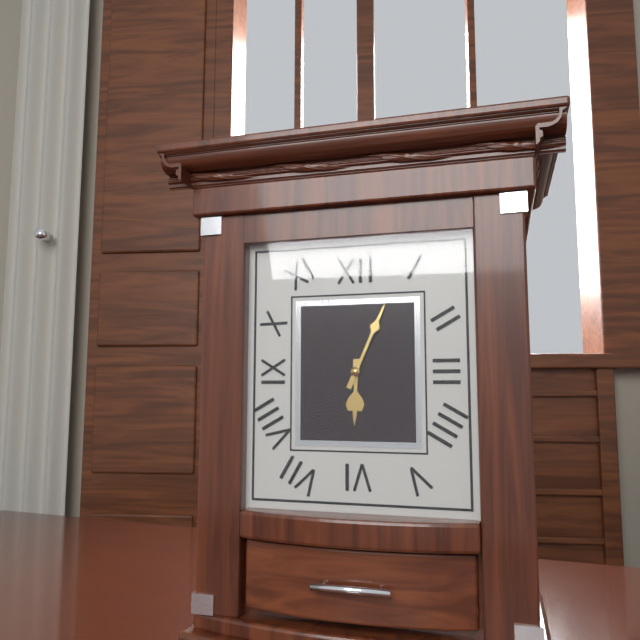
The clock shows **6:04**
